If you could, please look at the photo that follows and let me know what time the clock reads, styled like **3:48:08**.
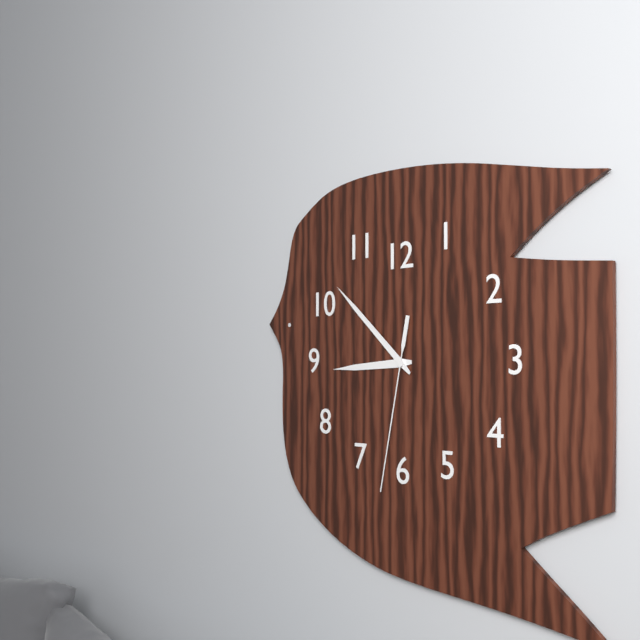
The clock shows **8:52:32**
